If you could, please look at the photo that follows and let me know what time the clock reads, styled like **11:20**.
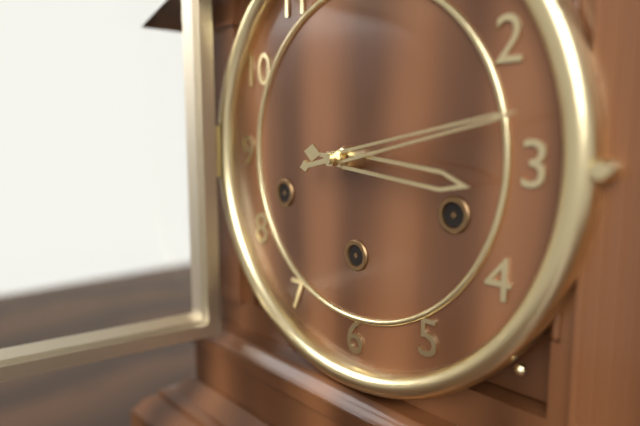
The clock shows **3:13**
